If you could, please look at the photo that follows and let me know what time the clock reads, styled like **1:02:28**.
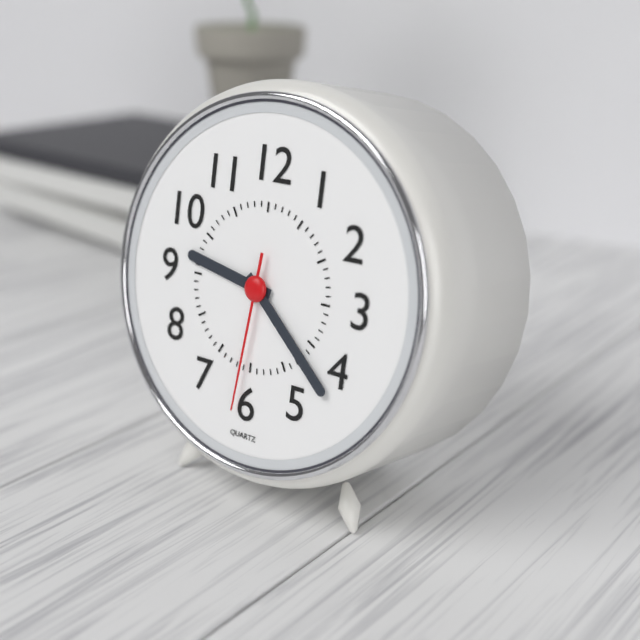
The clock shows **9:22:31**
